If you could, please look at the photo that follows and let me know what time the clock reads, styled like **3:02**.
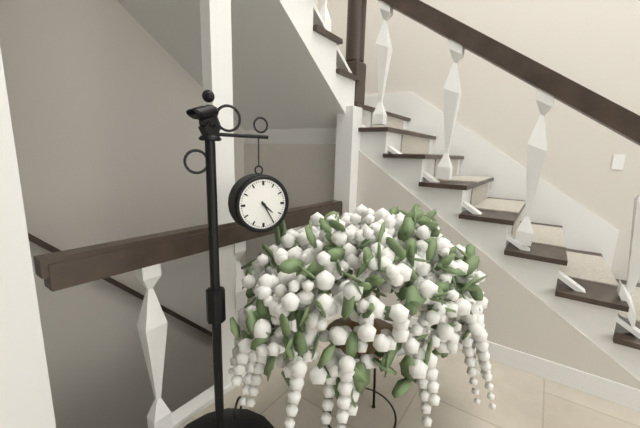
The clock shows **4:25**
